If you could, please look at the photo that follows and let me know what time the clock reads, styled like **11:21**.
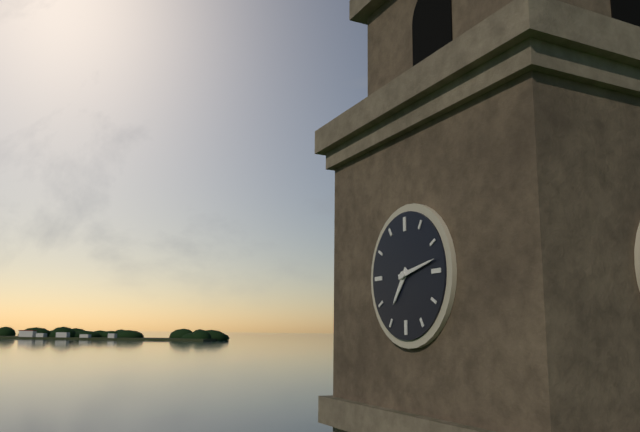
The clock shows **7:13**
